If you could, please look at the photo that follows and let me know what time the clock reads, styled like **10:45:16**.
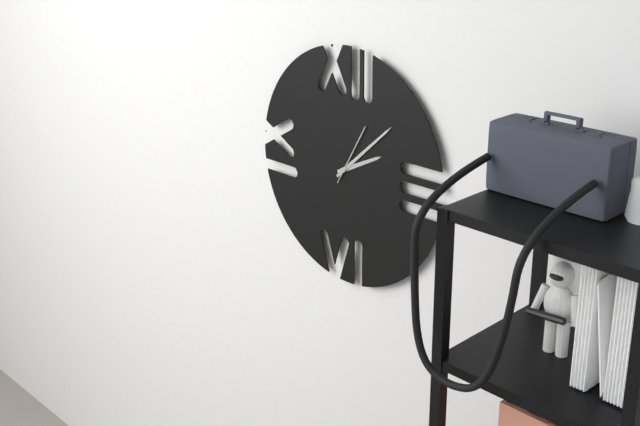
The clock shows **2:08:05**
